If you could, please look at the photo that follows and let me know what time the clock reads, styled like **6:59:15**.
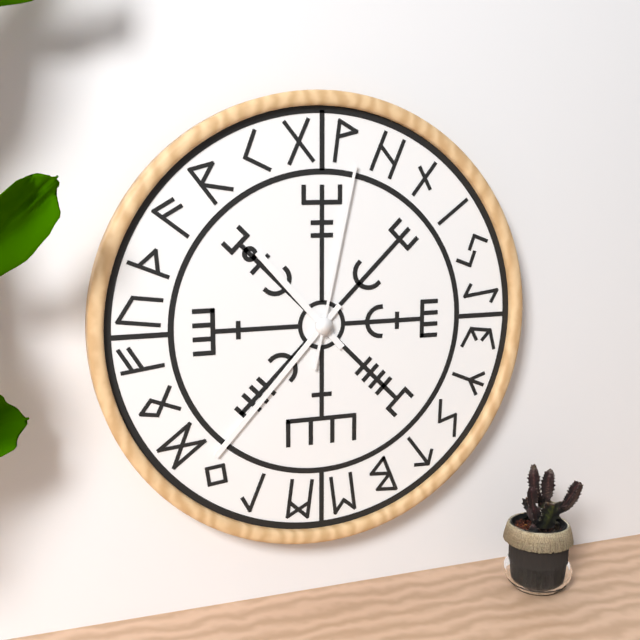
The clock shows **10:37:02**
